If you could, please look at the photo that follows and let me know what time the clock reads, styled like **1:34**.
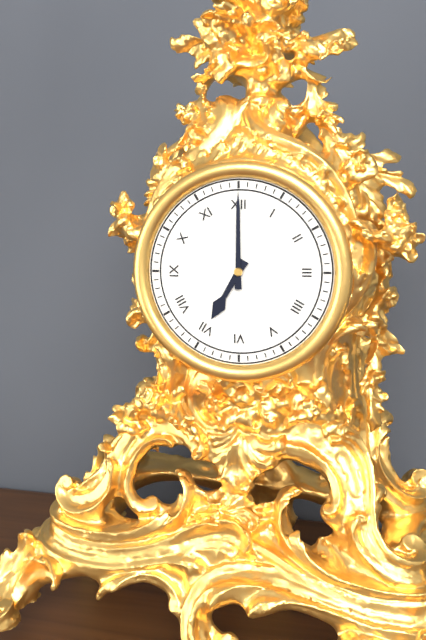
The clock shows **7:00**
